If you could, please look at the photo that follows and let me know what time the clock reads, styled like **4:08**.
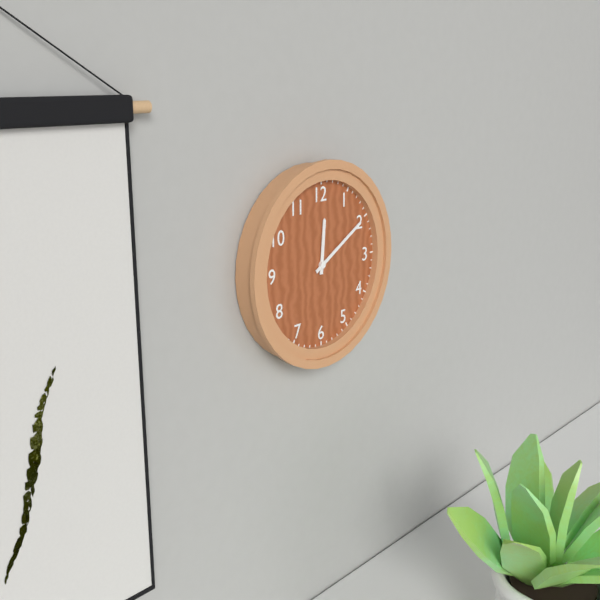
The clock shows **12:10**
